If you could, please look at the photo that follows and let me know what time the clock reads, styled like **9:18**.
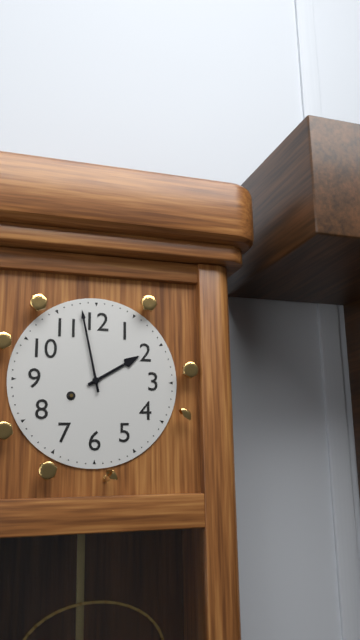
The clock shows **1:58**
